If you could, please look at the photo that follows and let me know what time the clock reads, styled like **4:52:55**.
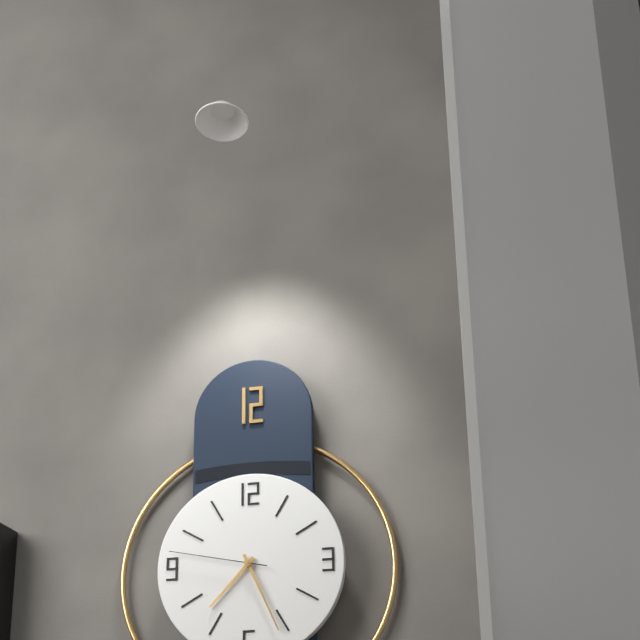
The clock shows **7:26:47**
